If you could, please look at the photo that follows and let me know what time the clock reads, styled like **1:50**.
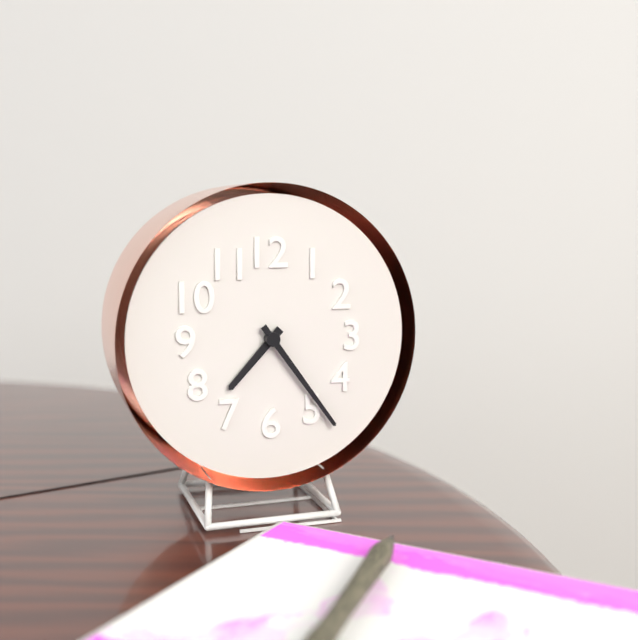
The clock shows **7:24**
